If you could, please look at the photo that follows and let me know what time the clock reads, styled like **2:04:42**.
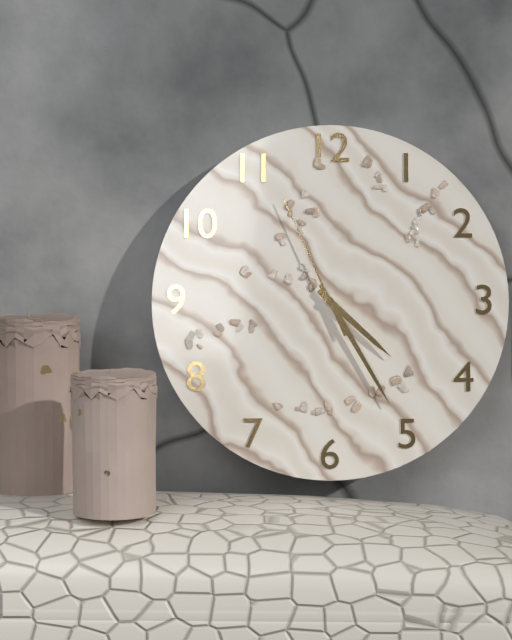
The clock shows **4:25:56**
